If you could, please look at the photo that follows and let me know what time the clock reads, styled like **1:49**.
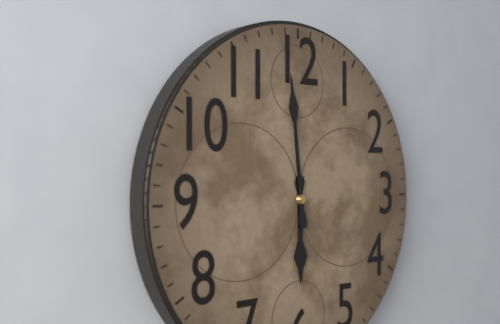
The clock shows **5:59**
